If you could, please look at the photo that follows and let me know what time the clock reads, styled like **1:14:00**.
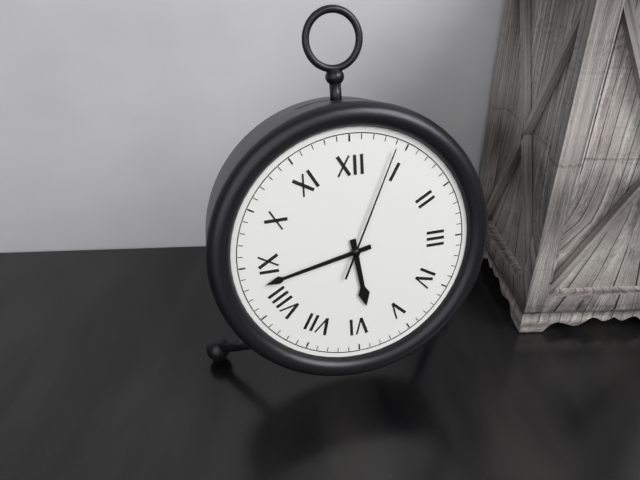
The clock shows **5:43:04**
